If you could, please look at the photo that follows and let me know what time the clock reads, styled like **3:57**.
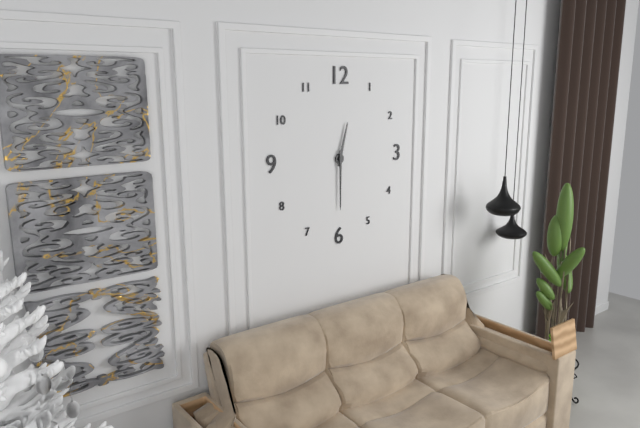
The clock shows **12:30**
